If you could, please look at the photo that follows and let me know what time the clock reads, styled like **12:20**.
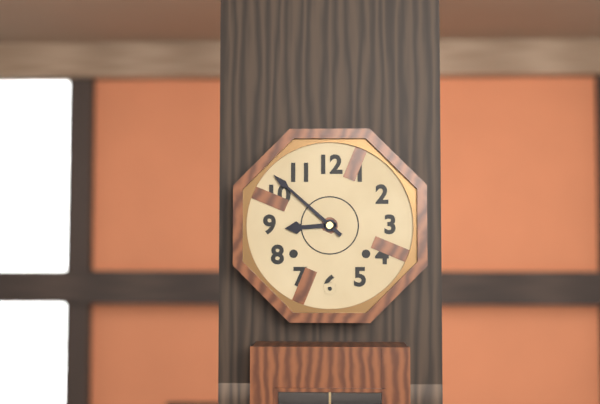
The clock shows **8:52**
